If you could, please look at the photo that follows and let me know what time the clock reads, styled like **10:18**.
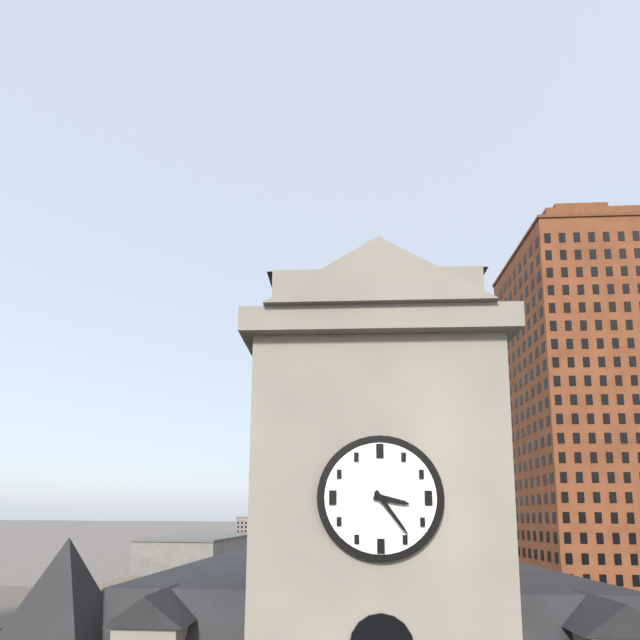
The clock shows **3:24**
